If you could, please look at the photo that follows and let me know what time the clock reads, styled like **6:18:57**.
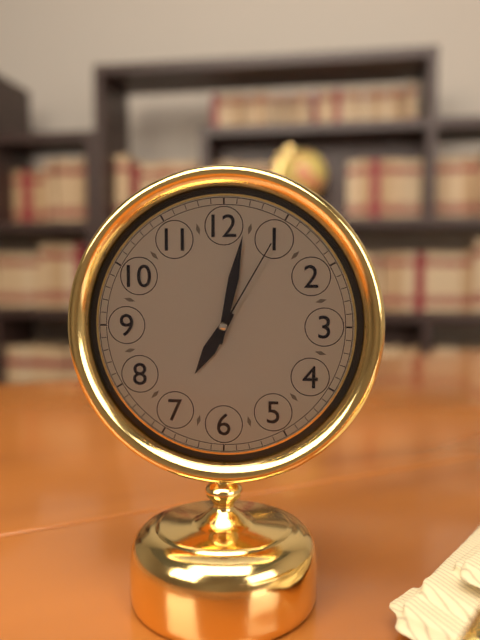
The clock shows **7:02:05**
